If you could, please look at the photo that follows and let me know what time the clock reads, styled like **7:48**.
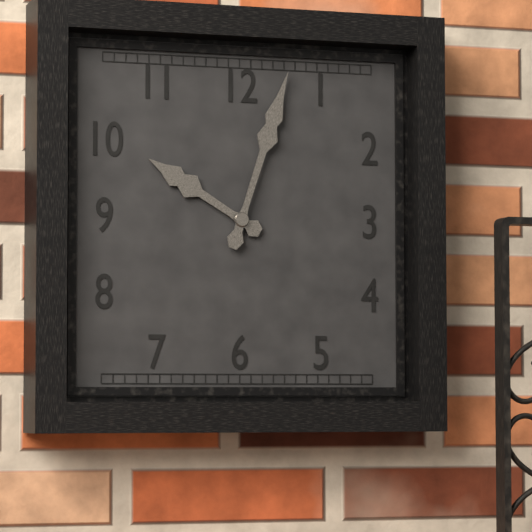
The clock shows **10:03**
